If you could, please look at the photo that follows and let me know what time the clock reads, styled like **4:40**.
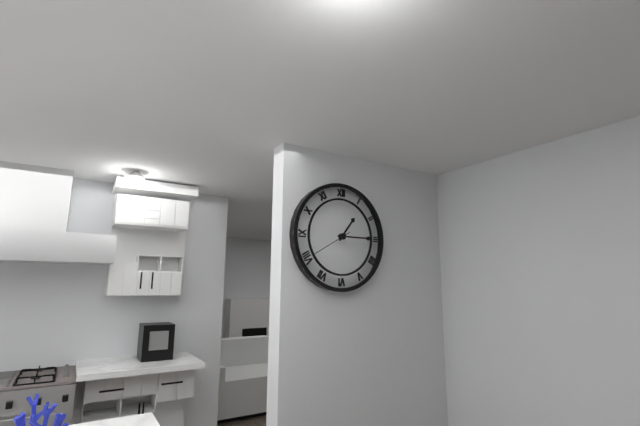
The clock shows **1:15**
